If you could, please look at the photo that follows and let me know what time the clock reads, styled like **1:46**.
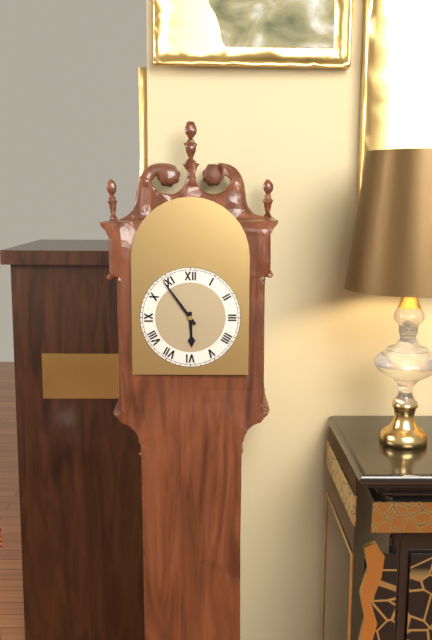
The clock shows **5:54**
